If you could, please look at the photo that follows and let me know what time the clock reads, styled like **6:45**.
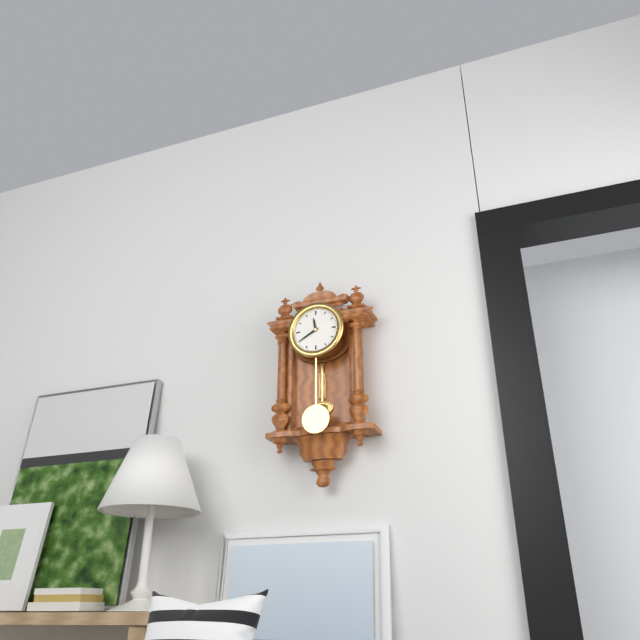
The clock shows **11:40**
